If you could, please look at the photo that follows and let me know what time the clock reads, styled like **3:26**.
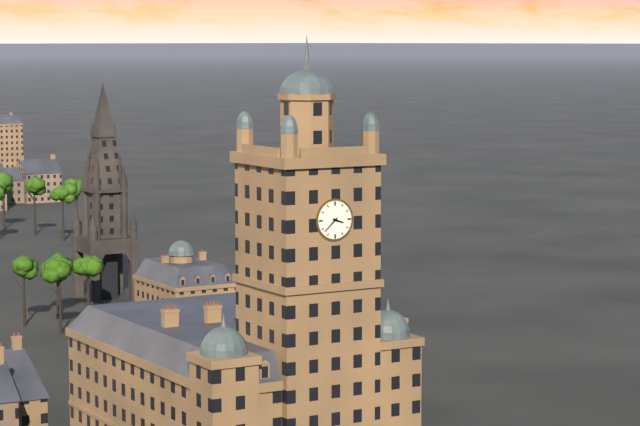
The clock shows **3:38**
